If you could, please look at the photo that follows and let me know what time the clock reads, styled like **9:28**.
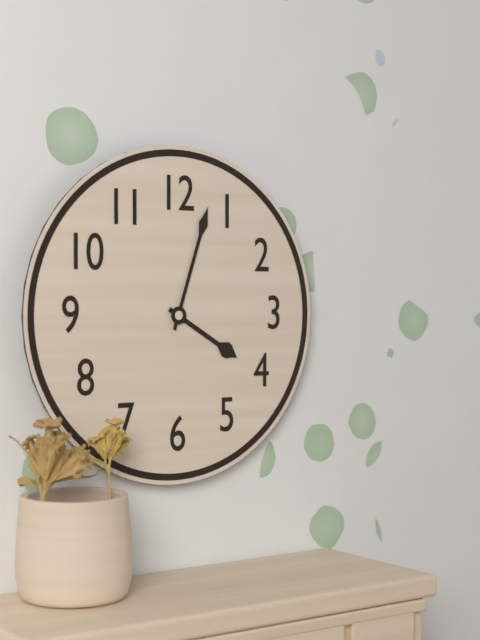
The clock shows **4:03**
